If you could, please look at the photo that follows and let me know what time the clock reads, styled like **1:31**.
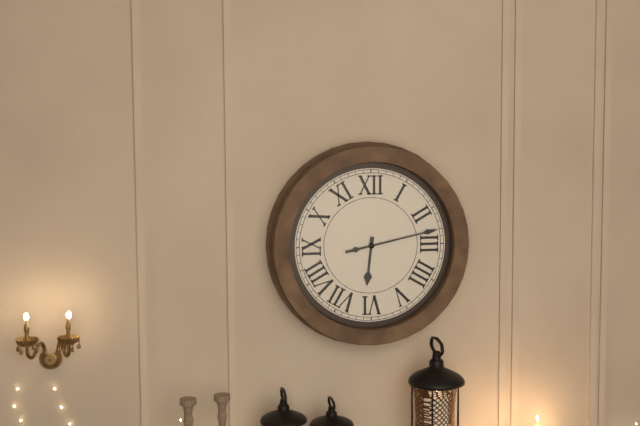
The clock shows **6:13**
